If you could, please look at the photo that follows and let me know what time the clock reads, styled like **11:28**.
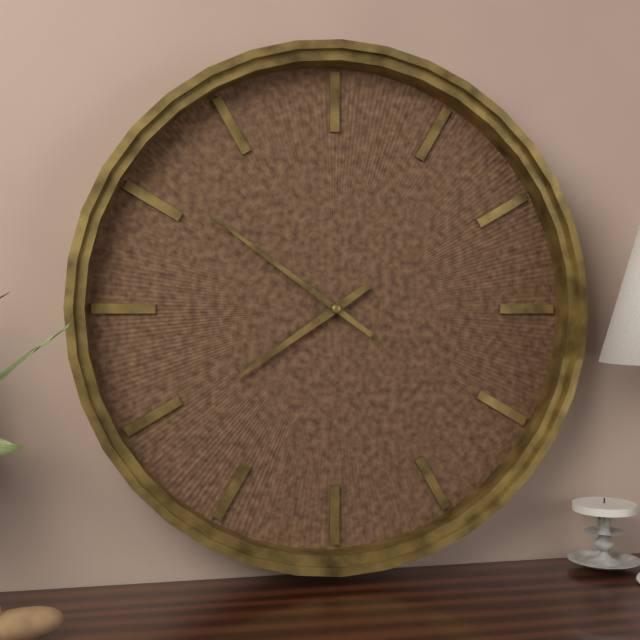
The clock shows **7:51**
